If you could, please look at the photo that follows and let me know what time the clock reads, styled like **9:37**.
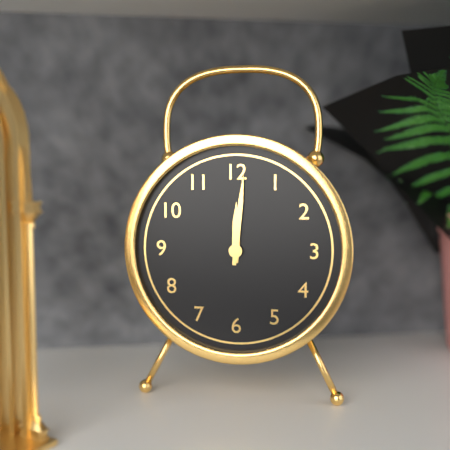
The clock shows **12:01**
